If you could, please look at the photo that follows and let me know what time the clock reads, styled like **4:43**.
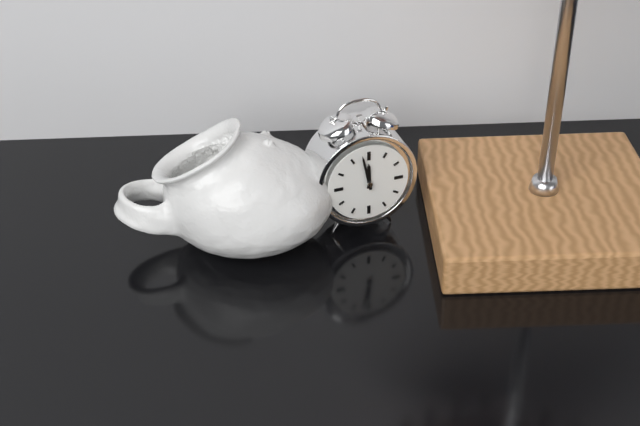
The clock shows **11:58**
